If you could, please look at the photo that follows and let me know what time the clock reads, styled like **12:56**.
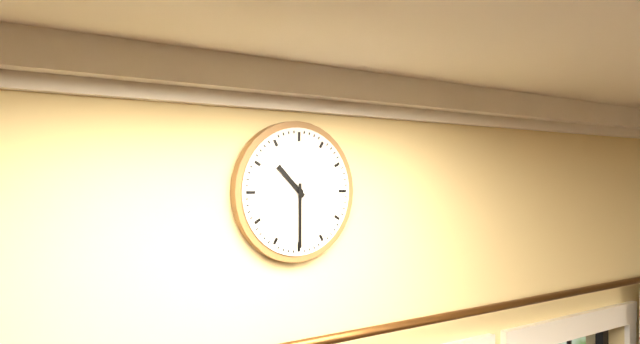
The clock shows **10:30**
